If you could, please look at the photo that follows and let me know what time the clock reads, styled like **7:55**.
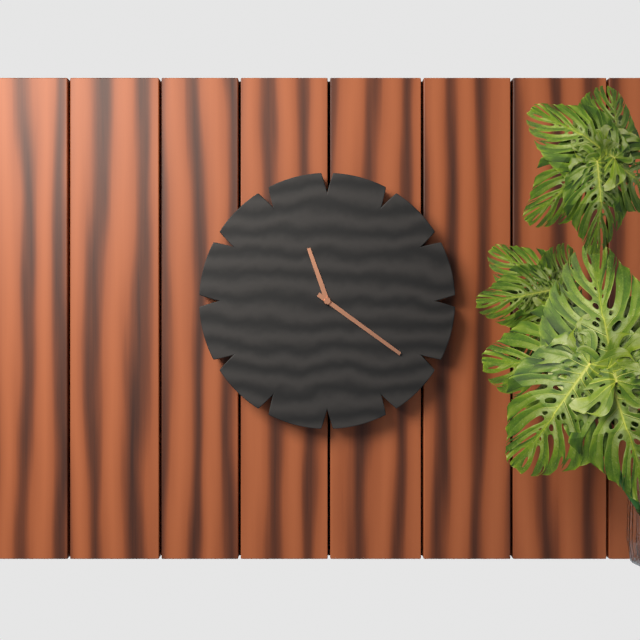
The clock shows **11:21**
